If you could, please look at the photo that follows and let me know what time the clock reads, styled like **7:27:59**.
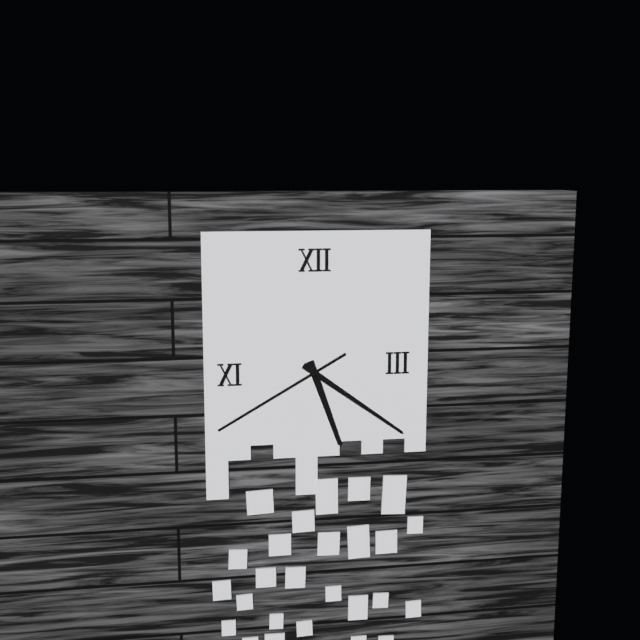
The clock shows **5:21:40**
